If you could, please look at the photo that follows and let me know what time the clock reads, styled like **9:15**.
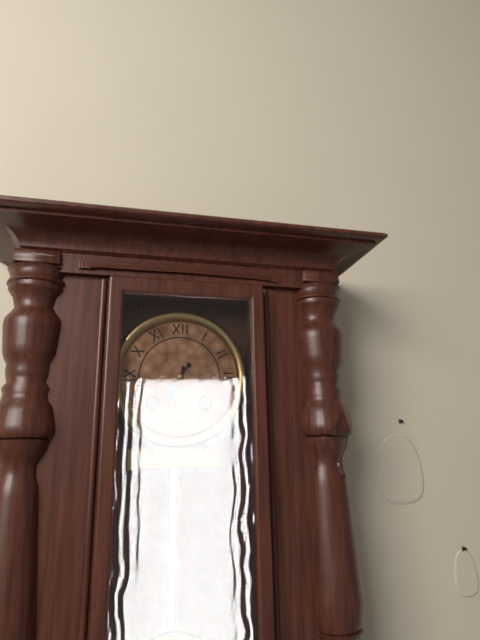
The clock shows **6:36**
